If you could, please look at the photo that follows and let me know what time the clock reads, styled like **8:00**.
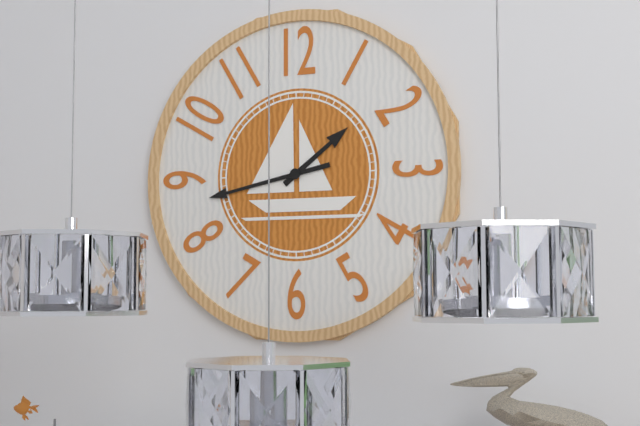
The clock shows **1:43**
